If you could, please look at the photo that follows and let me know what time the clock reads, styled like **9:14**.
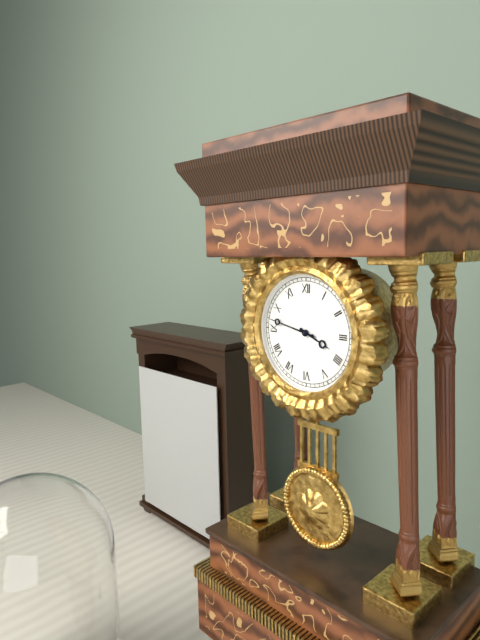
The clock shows **3:47**
